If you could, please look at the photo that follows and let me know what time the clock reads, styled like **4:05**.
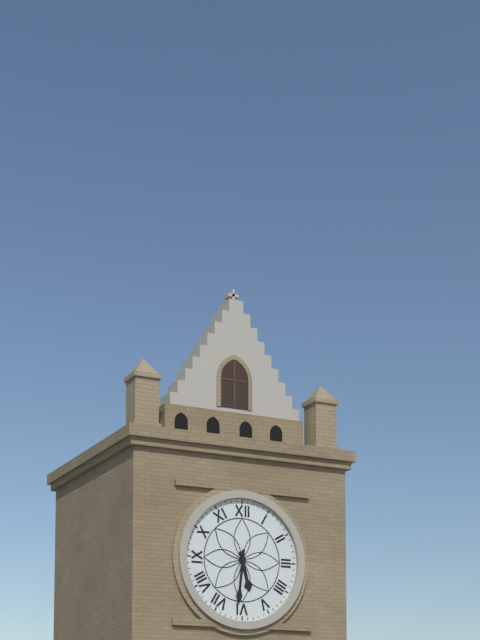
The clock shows **5:31**
